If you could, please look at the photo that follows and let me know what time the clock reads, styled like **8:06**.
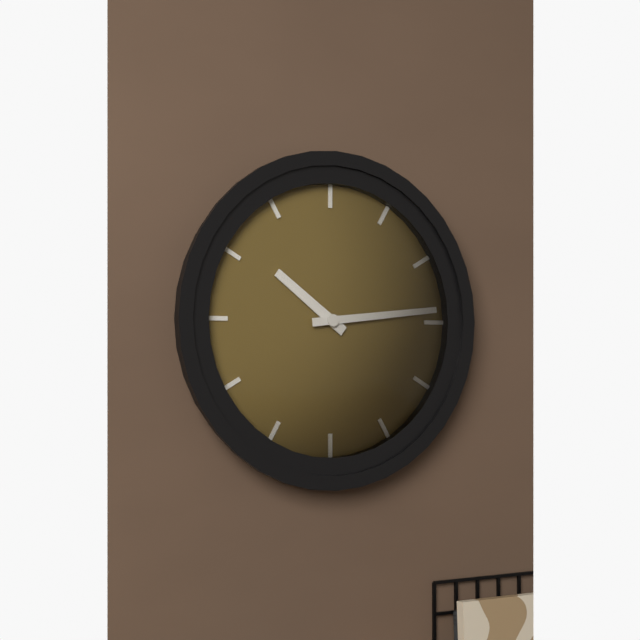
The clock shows **10:14**
